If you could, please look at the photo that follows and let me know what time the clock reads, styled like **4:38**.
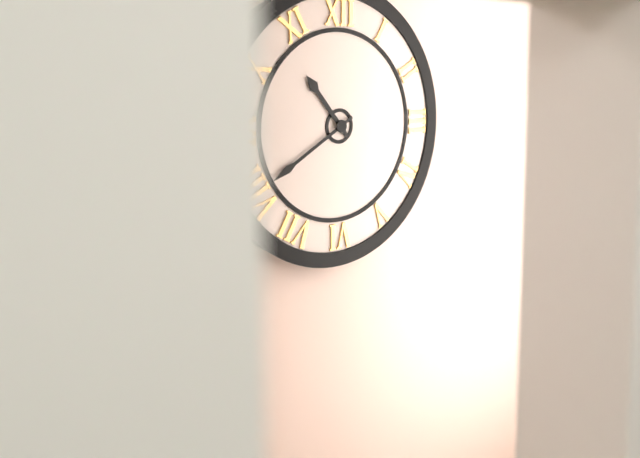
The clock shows **10:40**
